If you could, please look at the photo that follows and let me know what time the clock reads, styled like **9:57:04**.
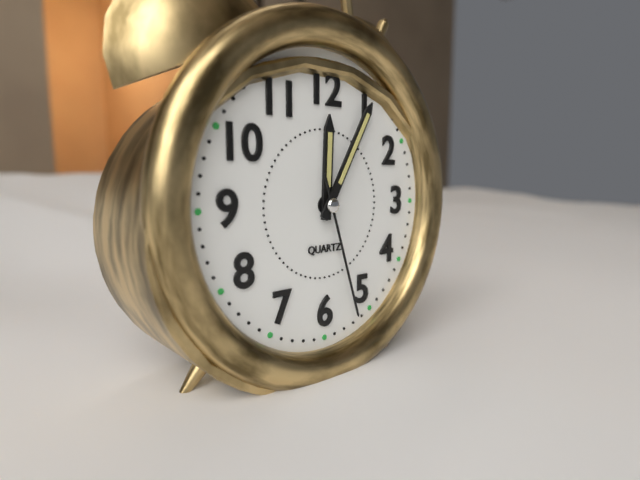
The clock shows **12:05:27**
